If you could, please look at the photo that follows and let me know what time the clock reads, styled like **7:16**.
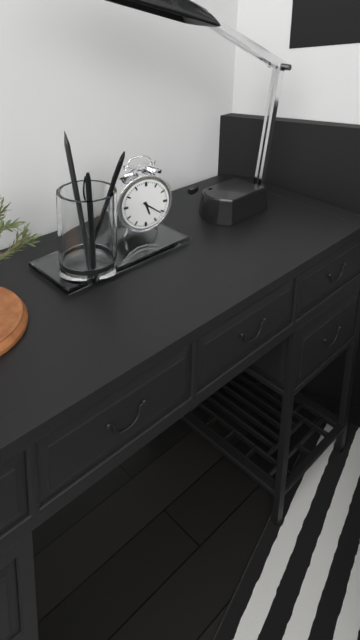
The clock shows **5:21**
